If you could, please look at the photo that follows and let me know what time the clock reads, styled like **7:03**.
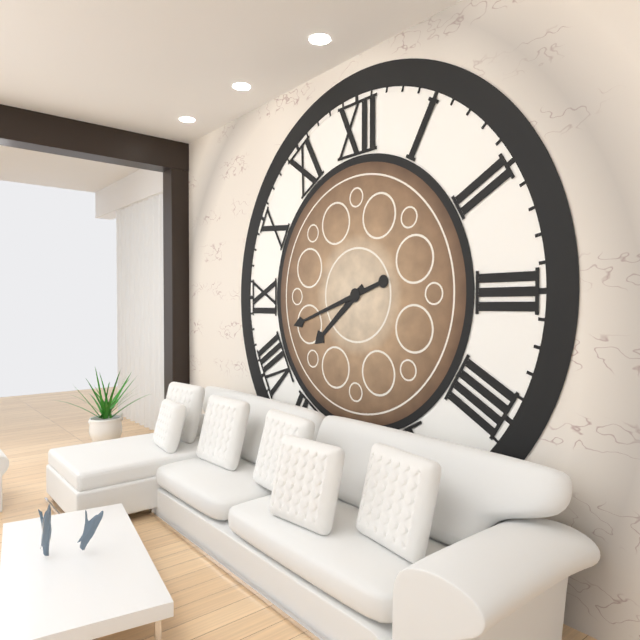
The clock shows **7:42**
